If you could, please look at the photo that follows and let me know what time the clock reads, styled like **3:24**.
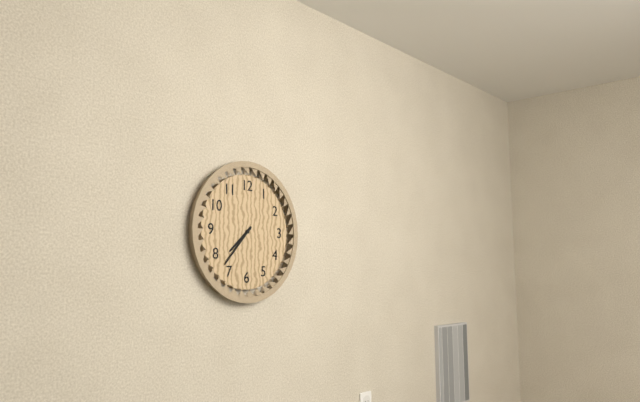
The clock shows **7:37**
